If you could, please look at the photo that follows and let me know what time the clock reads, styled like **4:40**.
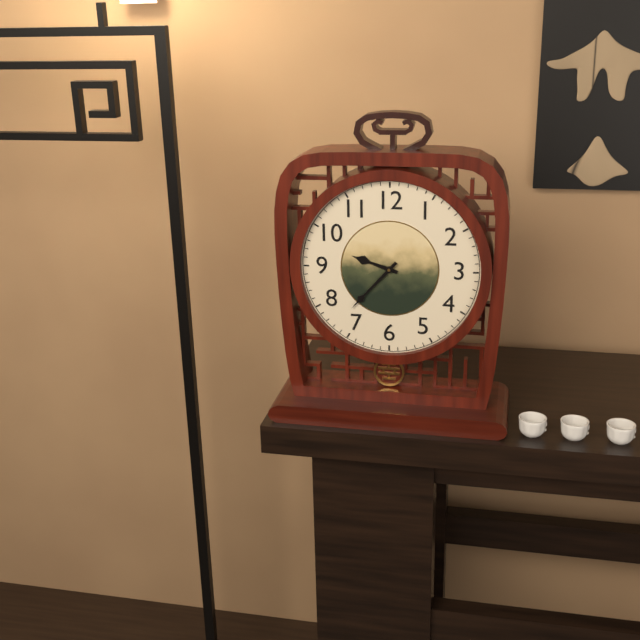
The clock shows **9:37**
